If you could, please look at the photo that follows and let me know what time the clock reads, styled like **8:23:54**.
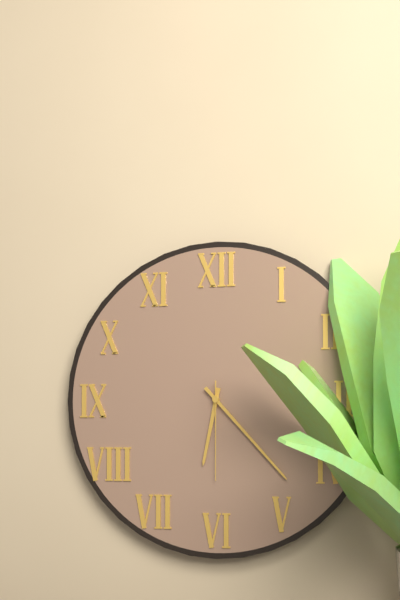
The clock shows **6:23:30**
